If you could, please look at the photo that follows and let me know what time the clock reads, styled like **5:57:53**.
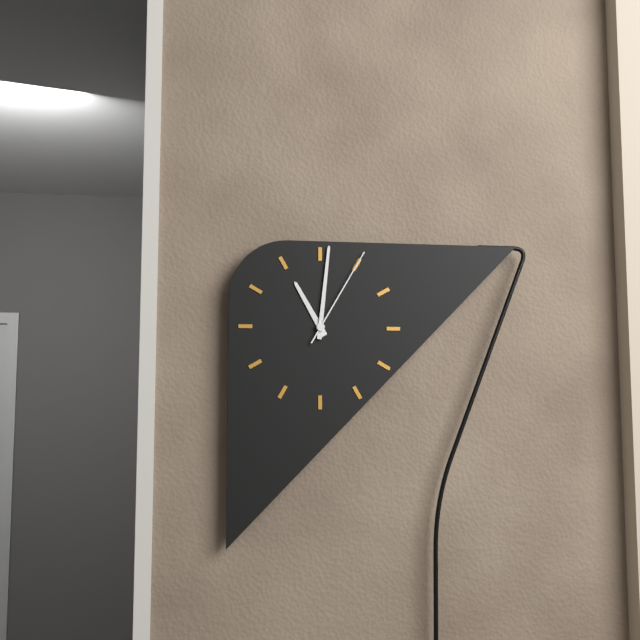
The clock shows **11:01:05**
